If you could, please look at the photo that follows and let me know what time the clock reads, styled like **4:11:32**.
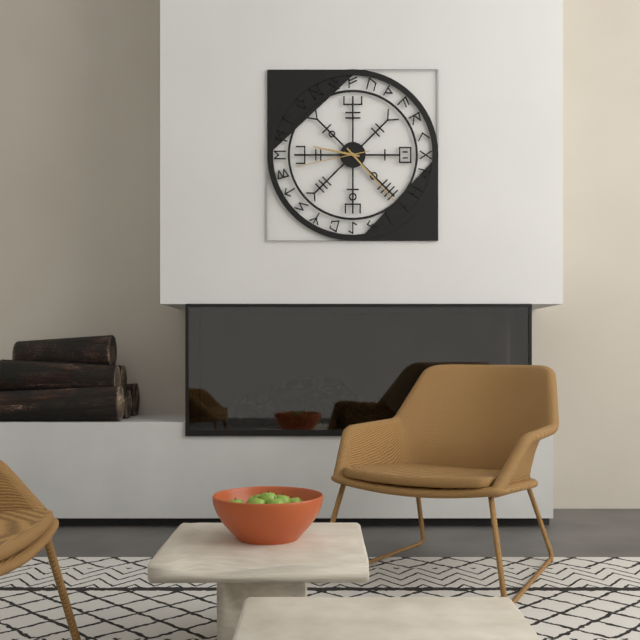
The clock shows **9:23:43**
